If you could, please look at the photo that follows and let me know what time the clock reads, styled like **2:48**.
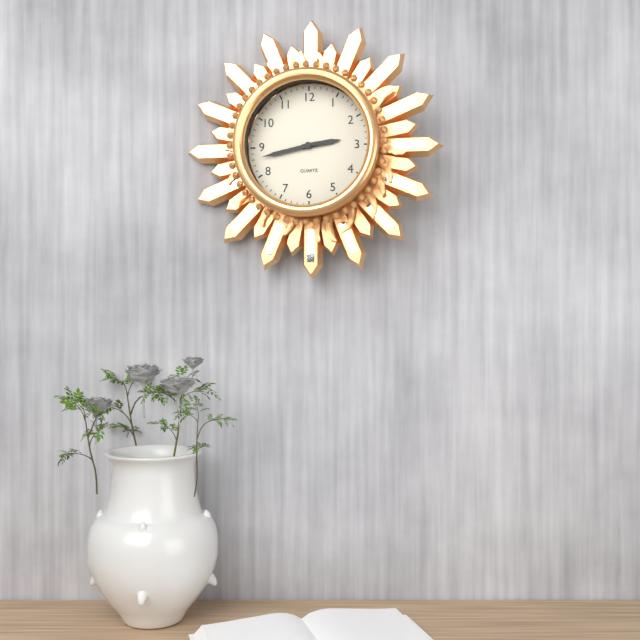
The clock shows **2:43**
